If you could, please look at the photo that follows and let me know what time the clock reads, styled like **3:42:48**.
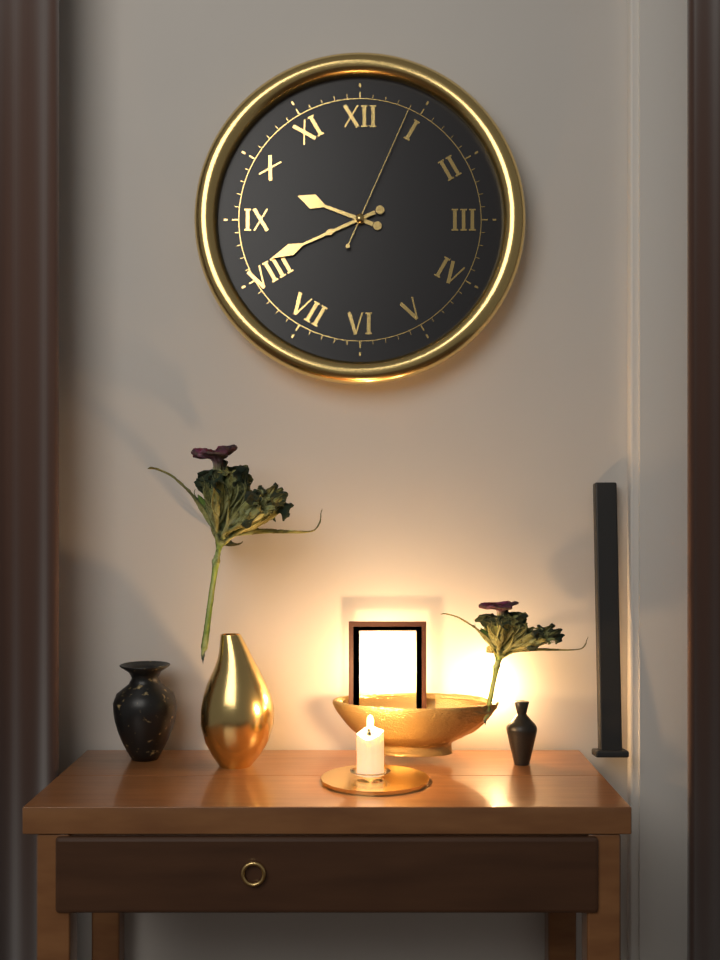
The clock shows **9:41:04**
